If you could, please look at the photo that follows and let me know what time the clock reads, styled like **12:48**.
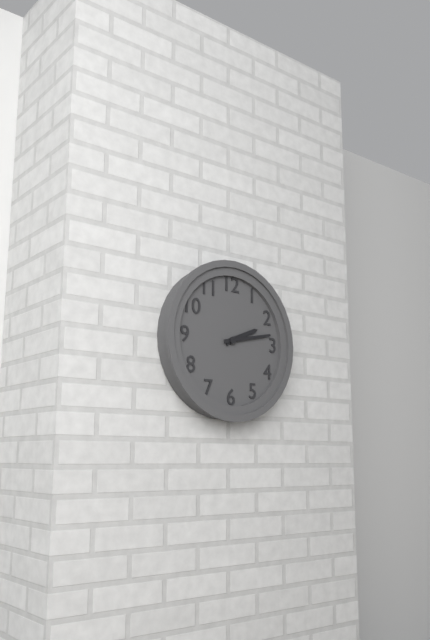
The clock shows **2:13**
